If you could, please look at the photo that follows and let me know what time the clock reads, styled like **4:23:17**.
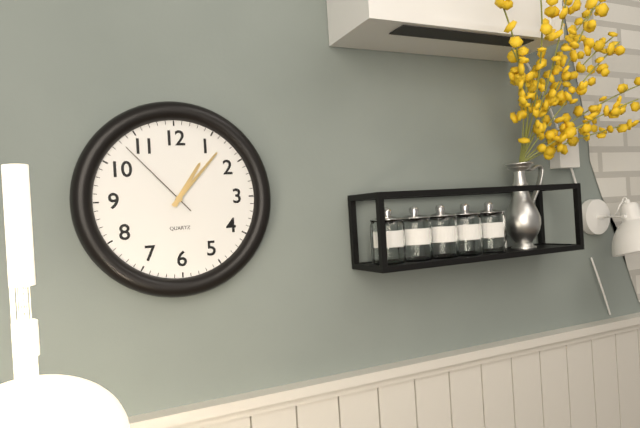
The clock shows **1:07:53**
